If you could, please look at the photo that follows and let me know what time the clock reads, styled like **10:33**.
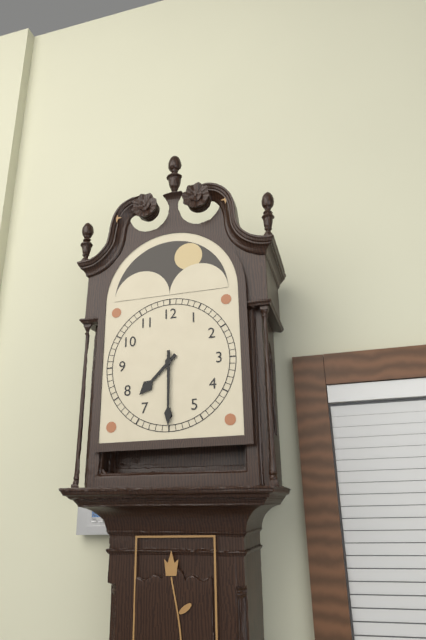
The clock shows **7:30**
